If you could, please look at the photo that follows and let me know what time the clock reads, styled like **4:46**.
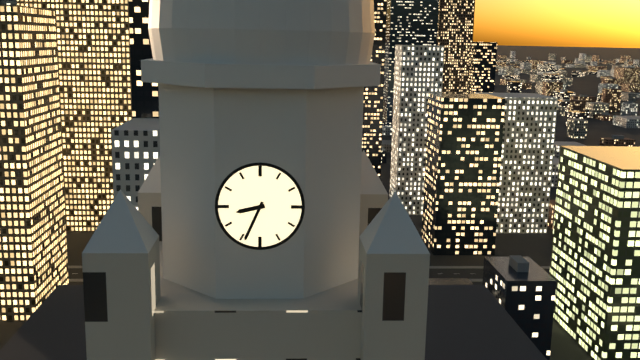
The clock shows **8:34**
